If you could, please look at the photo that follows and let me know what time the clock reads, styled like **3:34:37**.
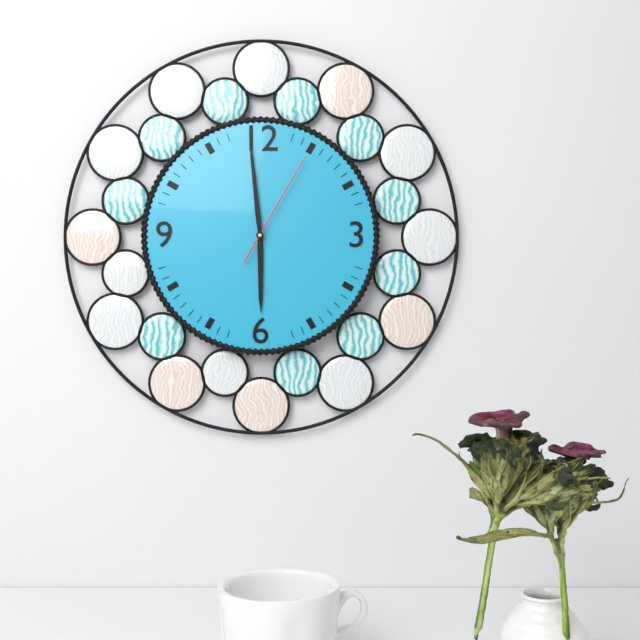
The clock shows **5:59:05**
